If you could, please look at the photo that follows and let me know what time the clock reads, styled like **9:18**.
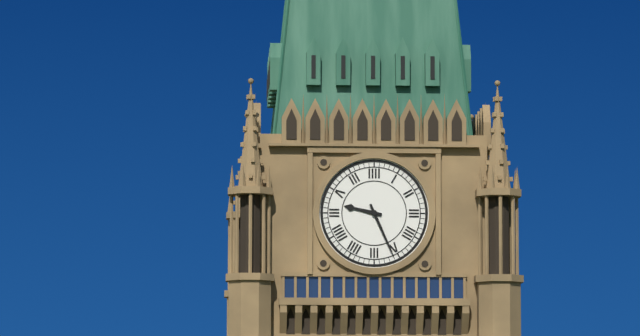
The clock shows **9:26**
